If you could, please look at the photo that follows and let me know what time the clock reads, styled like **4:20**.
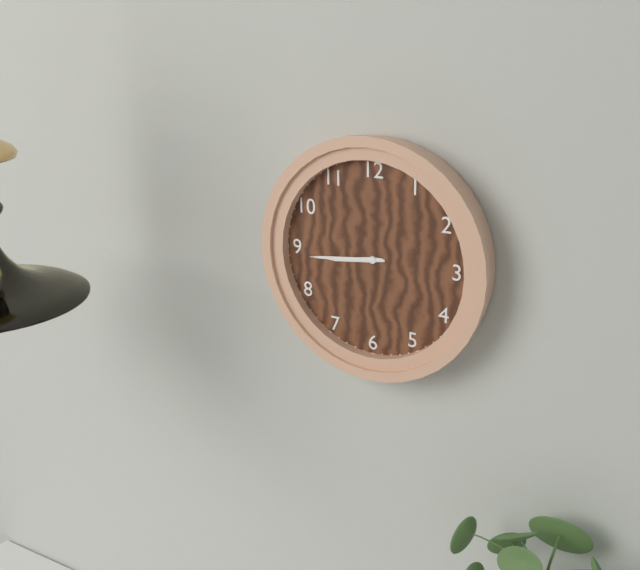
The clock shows **8:44**
